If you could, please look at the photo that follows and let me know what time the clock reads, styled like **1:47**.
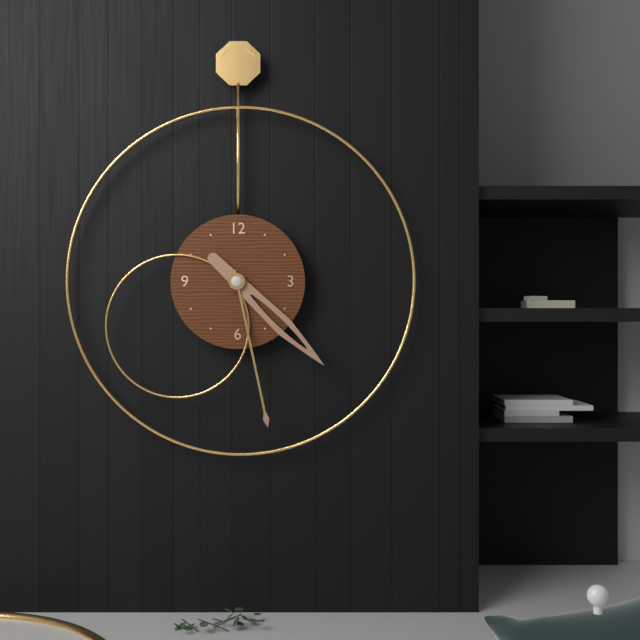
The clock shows **4:28**
